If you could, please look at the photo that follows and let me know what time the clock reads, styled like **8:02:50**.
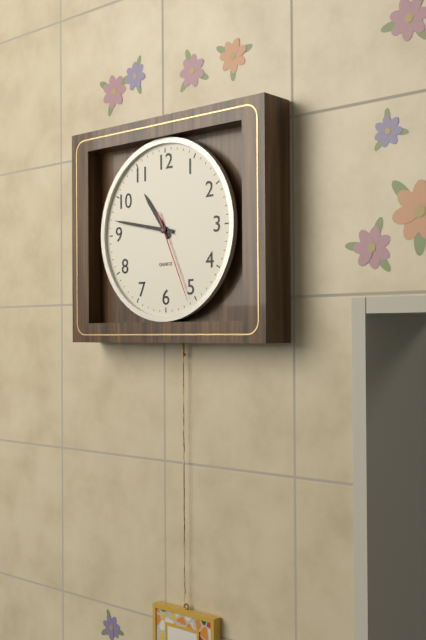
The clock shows **10:47:26**
